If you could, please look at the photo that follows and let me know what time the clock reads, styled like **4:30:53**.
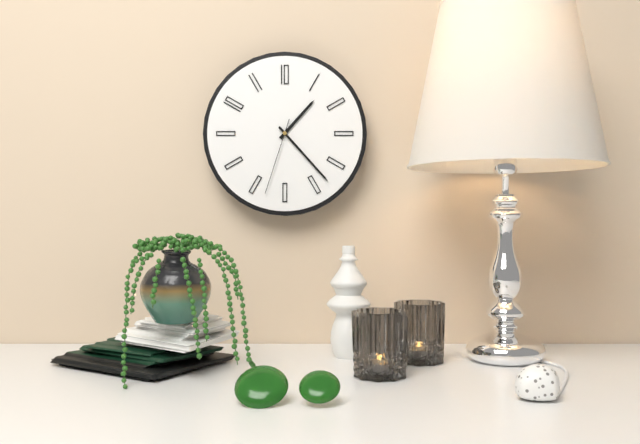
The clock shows **1:23:33**
